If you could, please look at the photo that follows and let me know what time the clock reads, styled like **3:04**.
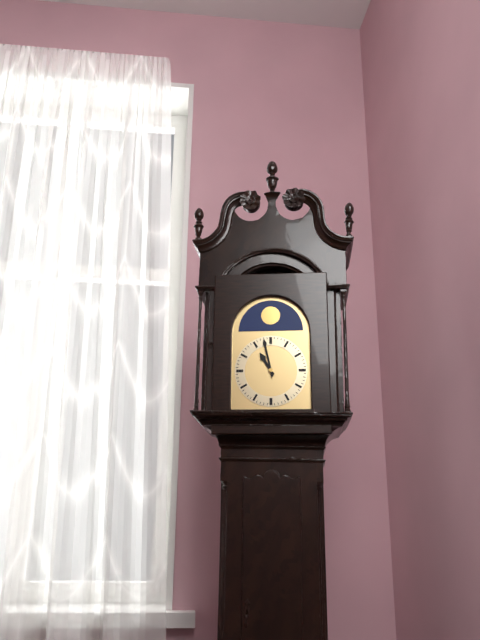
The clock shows **10:58**
